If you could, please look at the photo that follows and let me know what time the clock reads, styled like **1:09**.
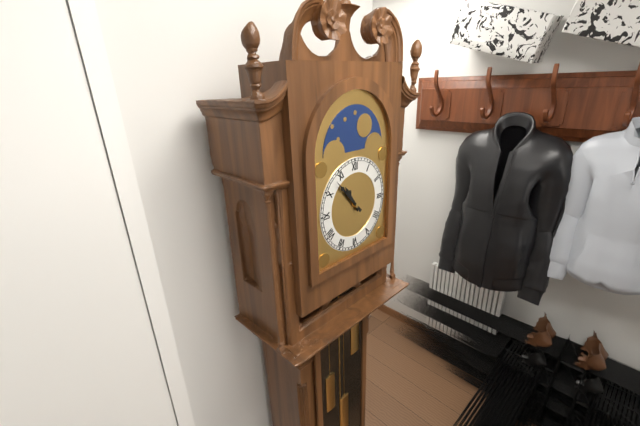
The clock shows **10:53**
